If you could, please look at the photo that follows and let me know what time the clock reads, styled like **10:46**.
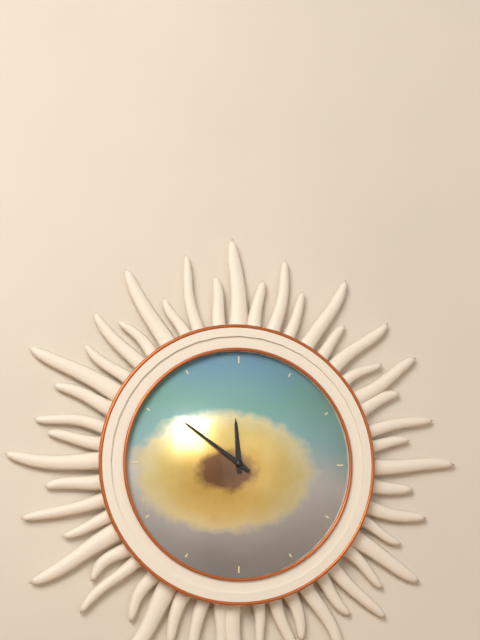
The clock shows **11:51**
